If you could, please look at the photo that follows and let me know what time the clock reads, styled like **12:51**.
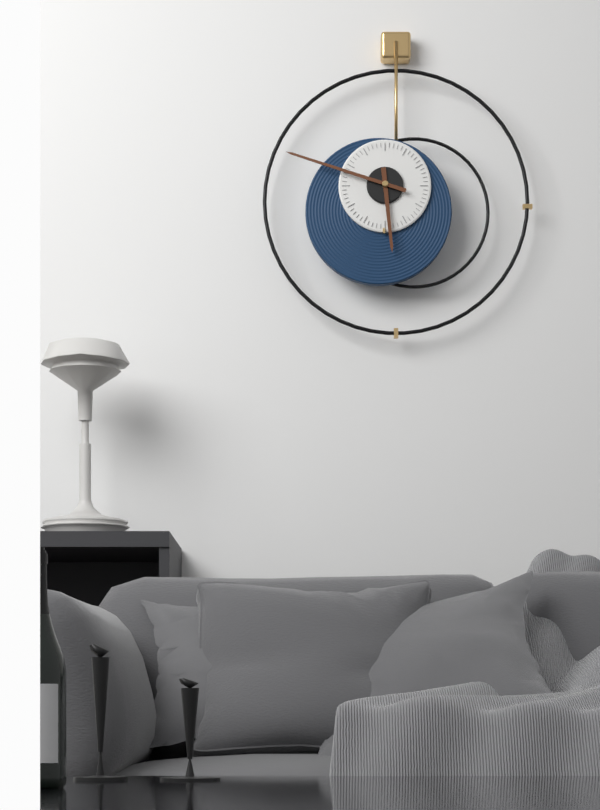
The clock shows **5:48**
